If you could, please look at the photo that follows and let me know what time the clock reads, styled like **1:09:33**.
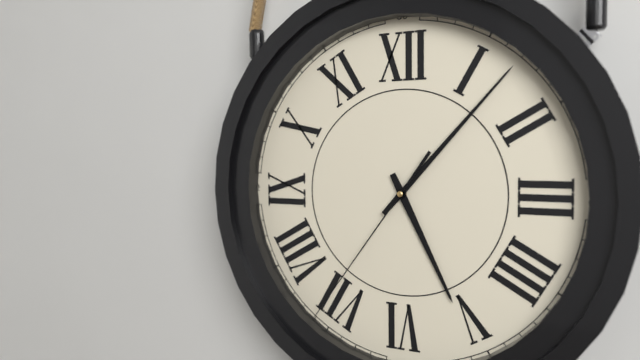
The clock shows **5:07:36**
